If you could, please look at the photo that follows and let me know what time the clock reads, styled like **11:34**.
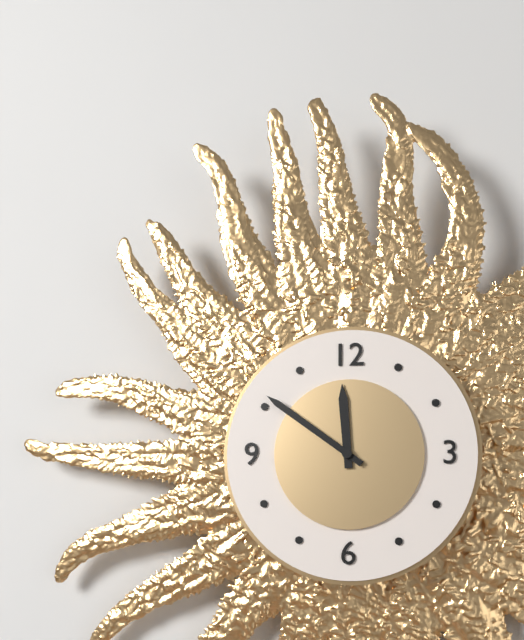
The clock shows **11:51**
